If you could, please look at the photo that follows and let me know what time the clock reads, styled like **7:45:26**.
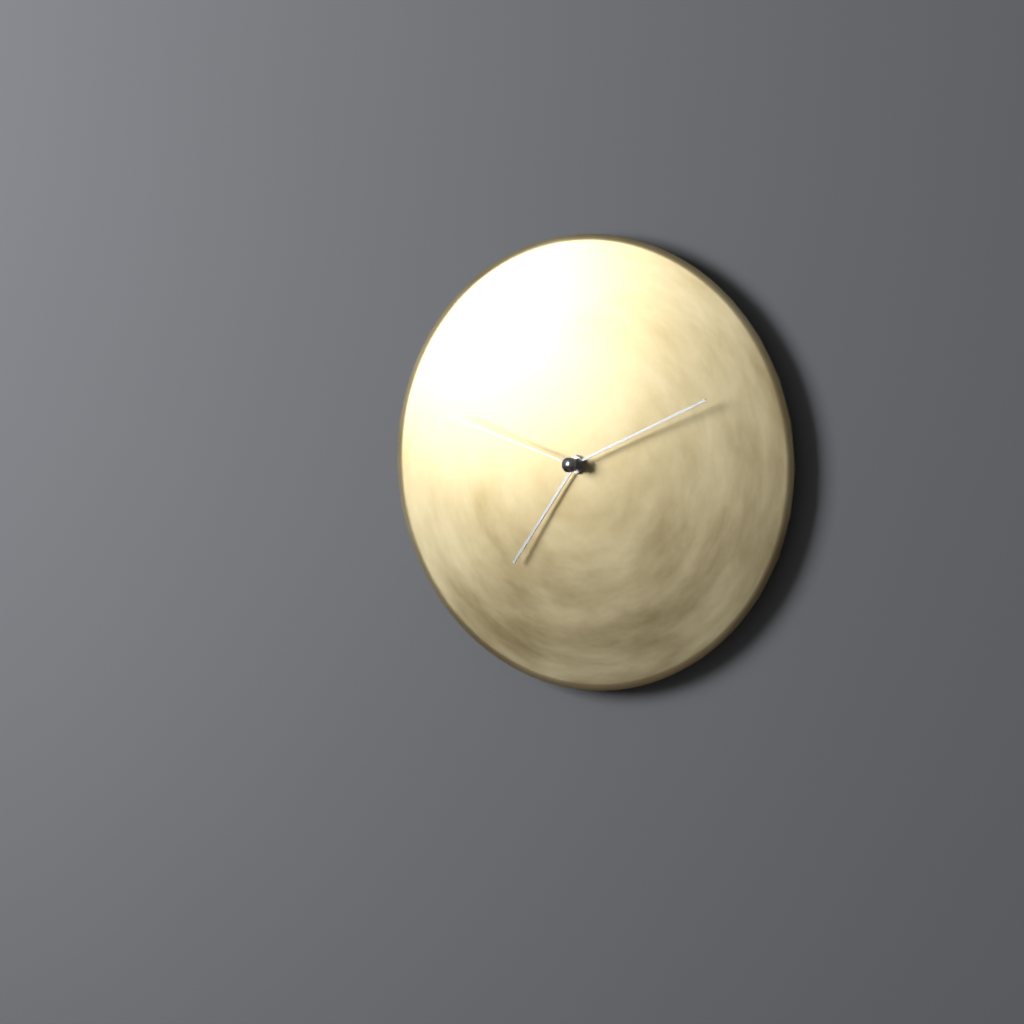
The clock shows **7:11:48**
